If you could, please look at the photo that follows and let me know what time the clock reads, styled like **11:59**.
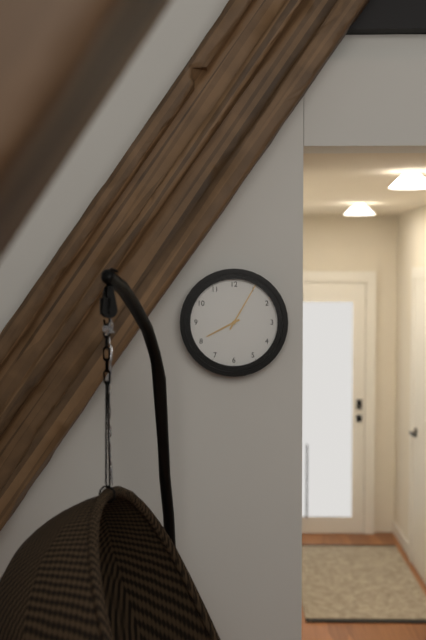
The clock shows **8:05**
